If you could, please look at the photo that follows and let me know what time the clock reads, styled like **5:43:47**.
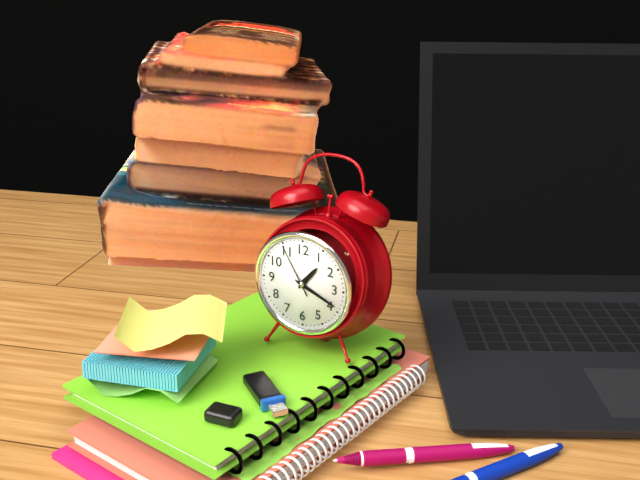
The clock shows **1:19:55**
